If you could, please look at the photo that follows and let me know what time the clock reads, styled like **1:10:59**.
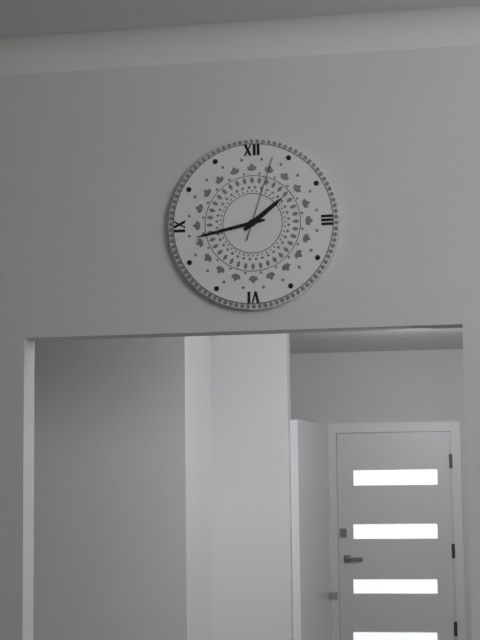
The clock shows **1:43:03**
